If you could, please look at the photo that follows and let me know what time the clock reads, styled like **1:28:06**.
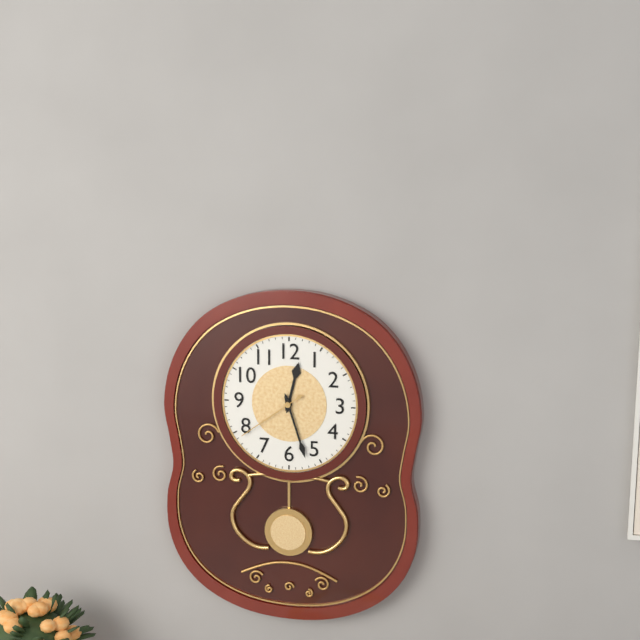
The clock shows **12:27:39**
